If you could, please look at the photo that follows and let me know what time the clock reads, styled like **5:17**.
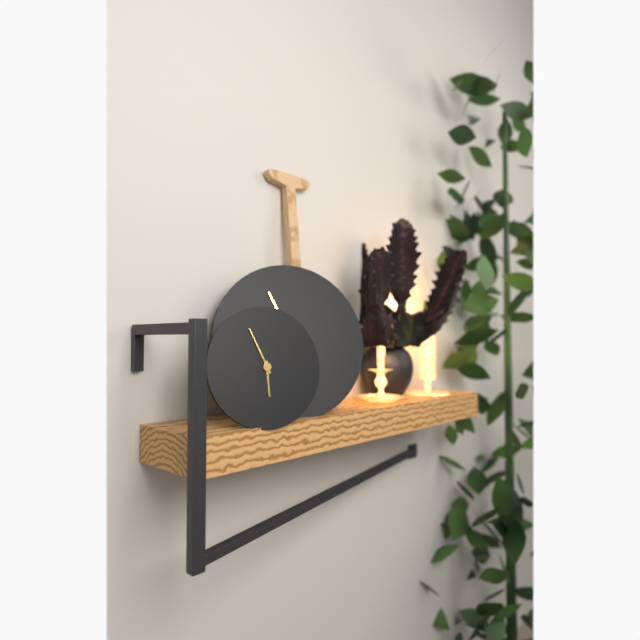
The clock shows **5:56**
